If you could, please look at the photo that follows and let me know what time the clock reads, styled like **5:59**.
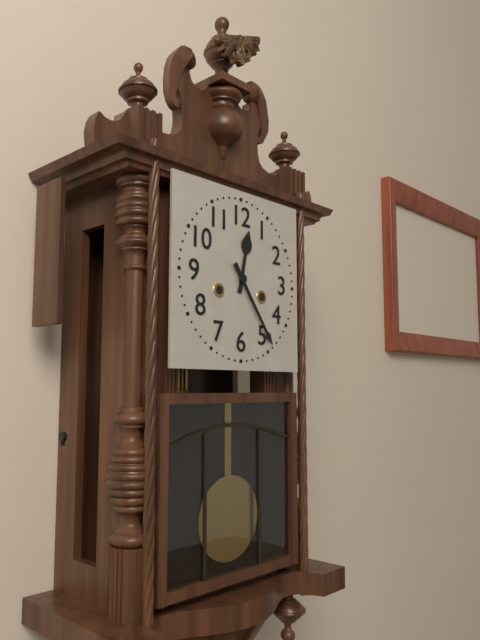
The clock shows **12:24**
